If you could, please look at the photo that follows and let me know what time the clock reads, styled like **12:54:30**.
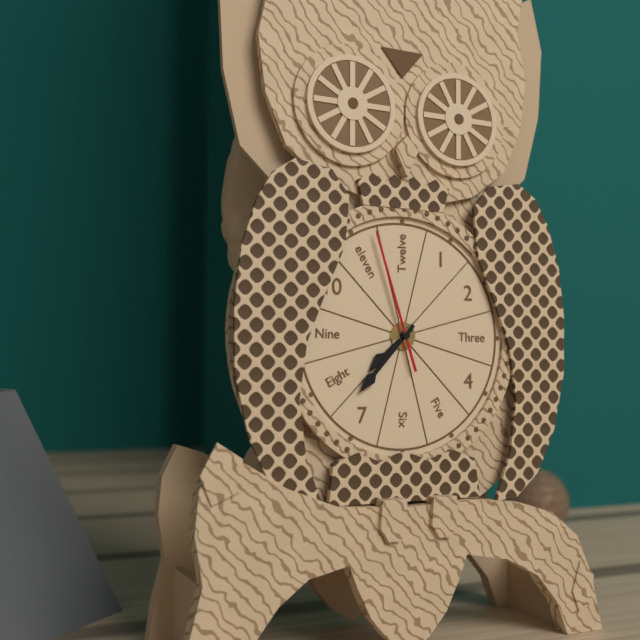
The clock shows **7:37:57**
